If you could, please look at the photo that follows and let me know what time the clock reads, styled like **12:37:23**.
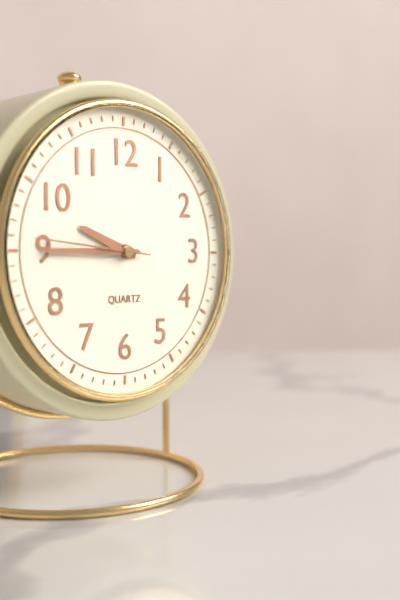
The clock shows **9:45:46**
